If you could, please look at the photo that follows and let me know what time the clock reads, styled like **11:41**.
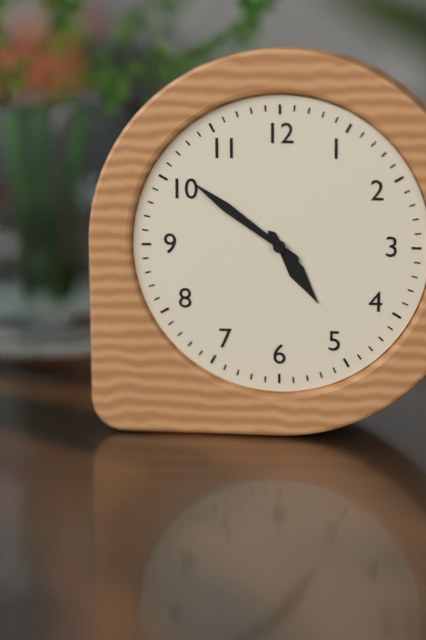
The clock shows **4:51**
